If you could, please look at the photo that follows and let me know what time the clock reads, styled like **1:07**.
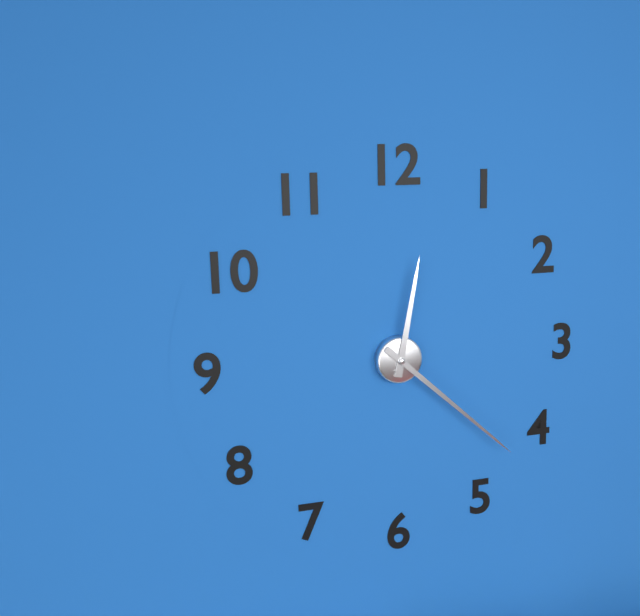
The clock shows **12:22**
